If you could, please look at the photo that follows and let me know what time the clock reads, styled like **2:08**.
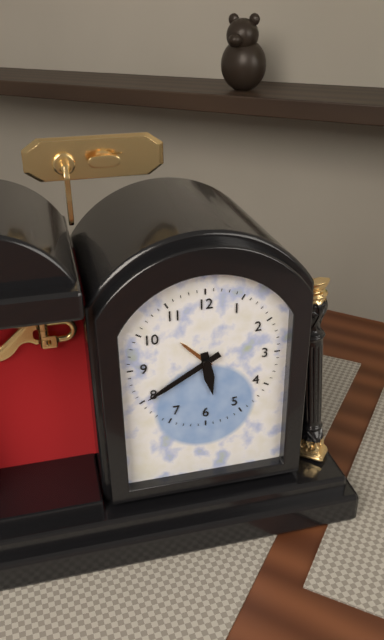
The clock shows **5:40**
